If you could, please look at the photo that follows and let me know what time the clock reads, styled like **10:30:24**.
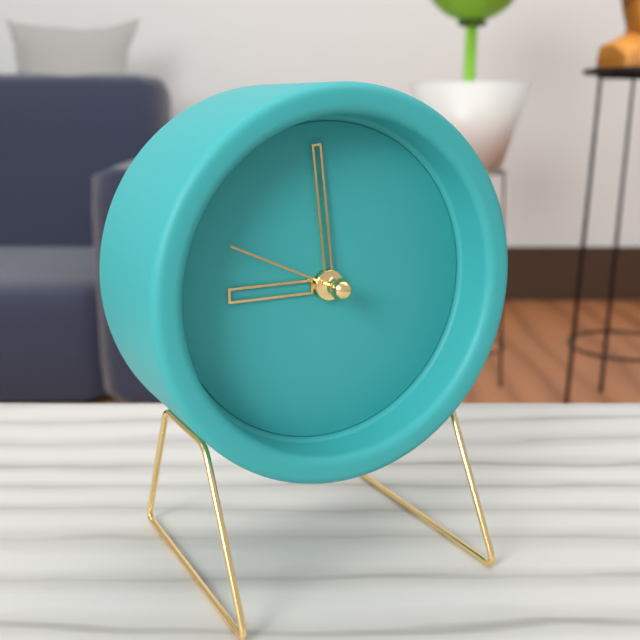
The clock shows **8:59:49**
